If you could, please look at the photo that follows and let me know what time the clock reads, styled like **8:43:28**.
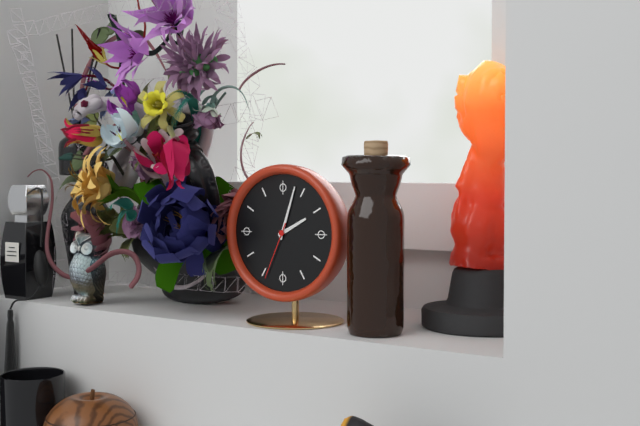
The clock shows **2:03:34**
